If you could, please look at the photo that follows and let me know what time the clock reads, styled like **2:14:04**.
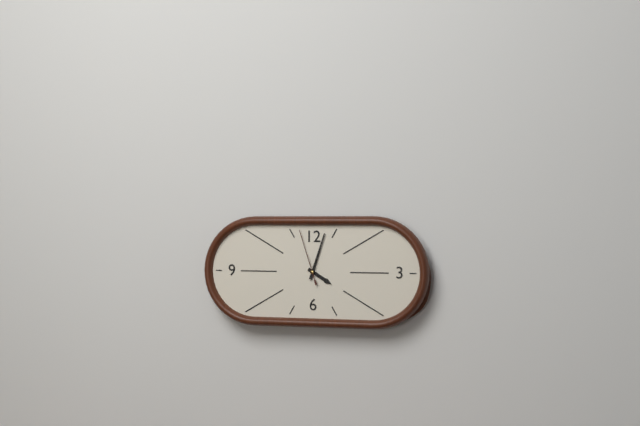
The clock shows **4:03:57**
